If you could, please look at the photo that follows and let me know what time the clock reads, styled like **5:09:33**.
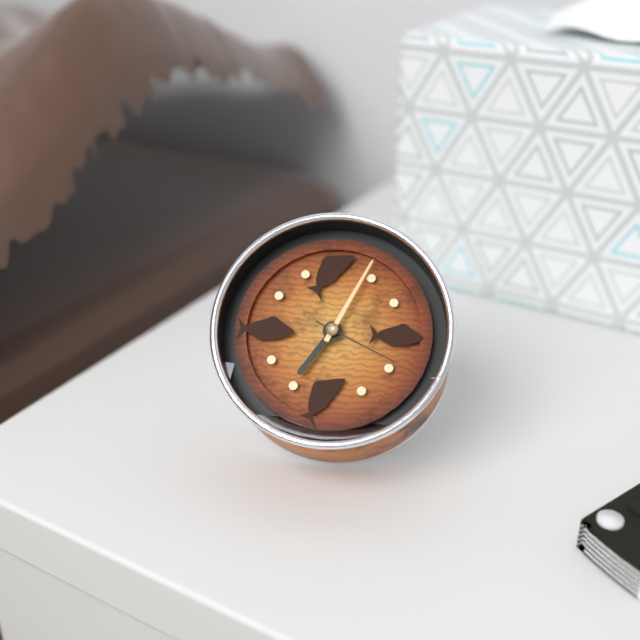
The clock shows **7:04:19**
